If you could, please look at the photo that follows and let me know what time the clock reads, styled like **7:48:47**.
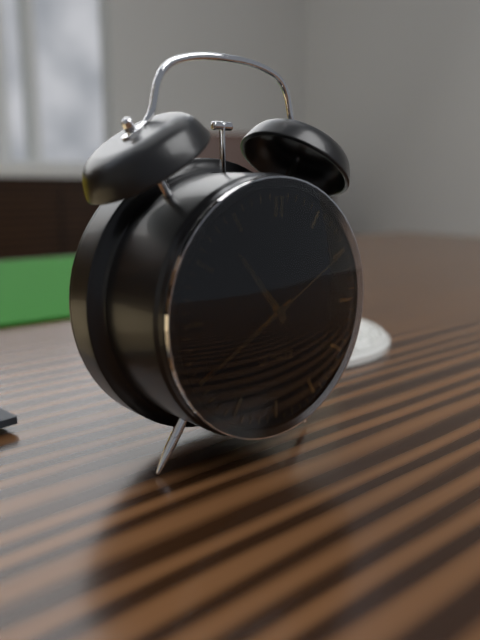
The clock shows **10:40:10**
